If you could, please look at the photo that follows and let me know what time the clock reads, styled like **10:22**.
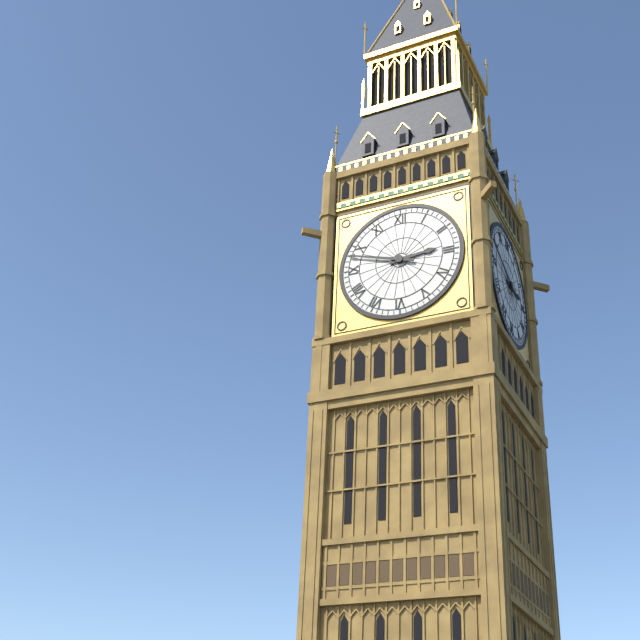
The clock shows **2:48**
